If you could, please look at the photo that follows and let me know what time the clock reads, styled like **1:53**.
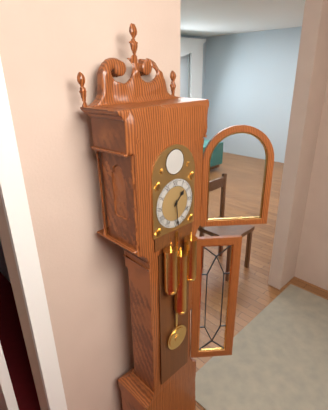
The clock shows **1:29**
